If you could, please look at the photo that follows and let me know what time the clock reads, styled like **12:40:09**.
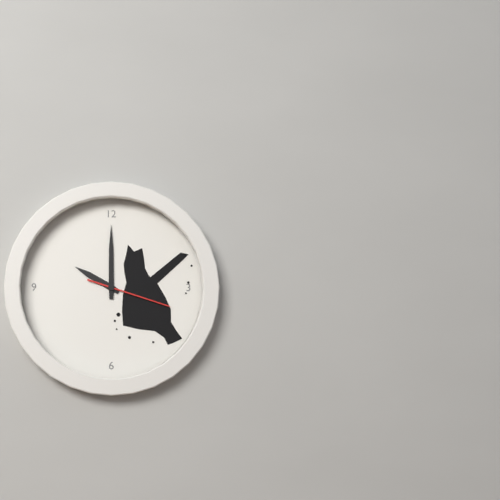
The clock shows **10:00:18**
